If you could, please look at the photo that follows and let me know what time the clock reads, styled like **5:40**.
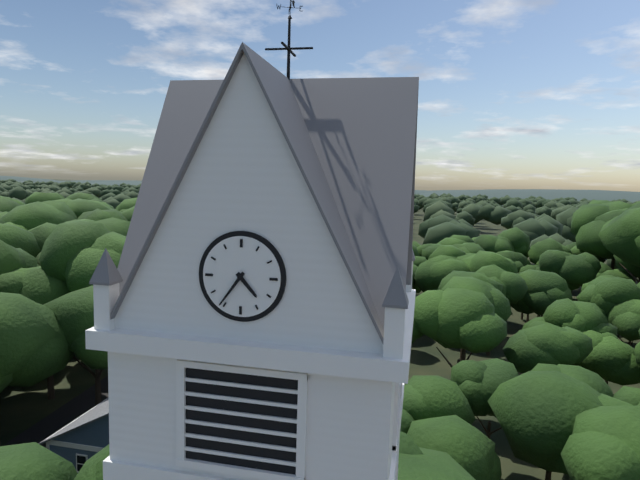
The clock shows **4:36**
